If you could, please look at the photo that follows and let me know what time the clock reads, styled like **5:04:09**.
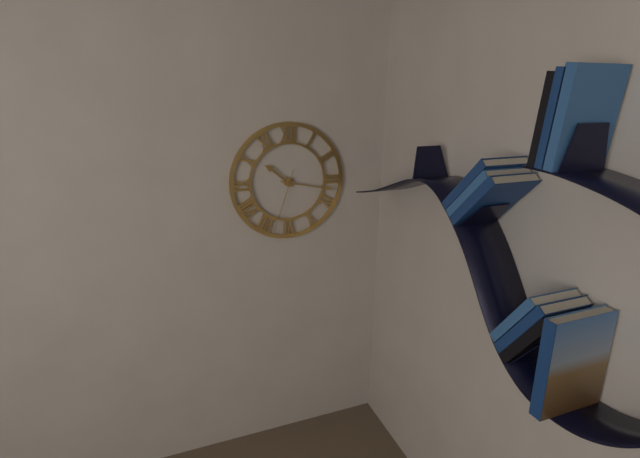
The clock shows **10:17:33**
